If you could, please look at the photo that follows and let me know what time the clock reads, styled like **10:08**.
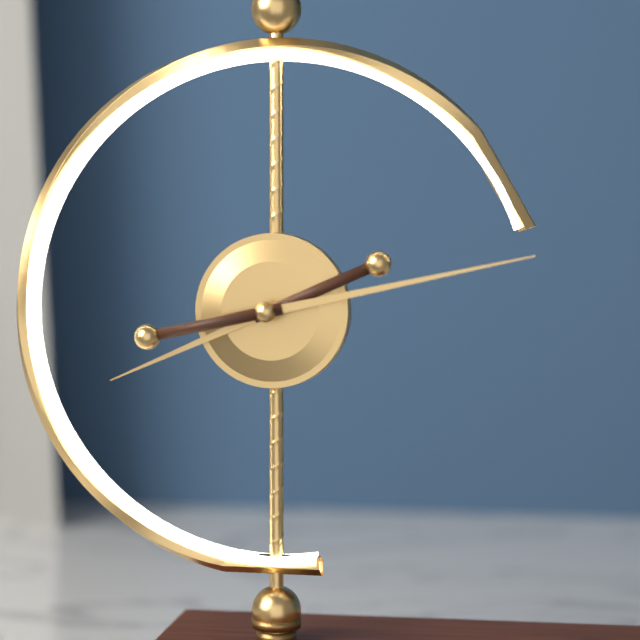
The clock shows **8:13**
